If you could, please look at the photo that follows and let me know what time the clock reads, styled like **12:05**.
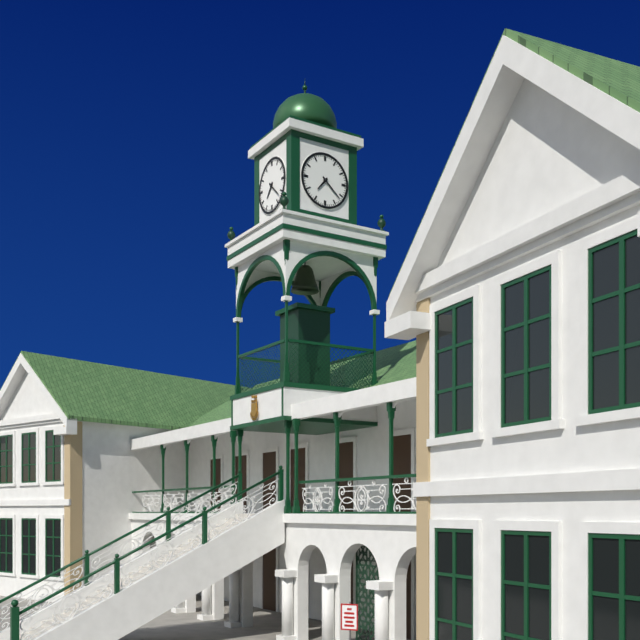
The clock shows **7:22**
